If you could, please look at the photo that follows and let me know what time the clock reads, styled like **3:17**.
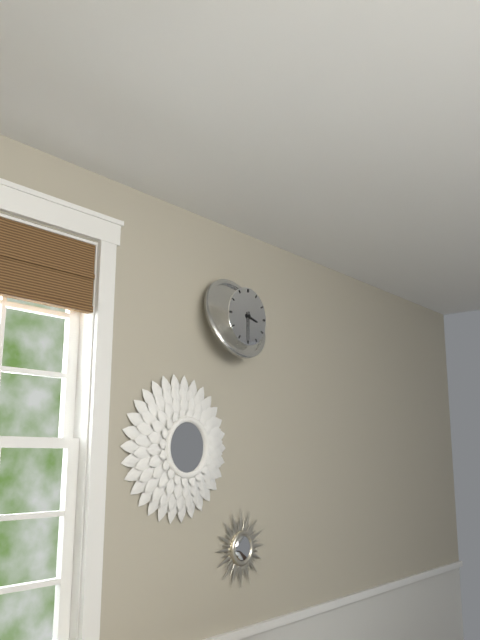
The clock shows **3:30**
